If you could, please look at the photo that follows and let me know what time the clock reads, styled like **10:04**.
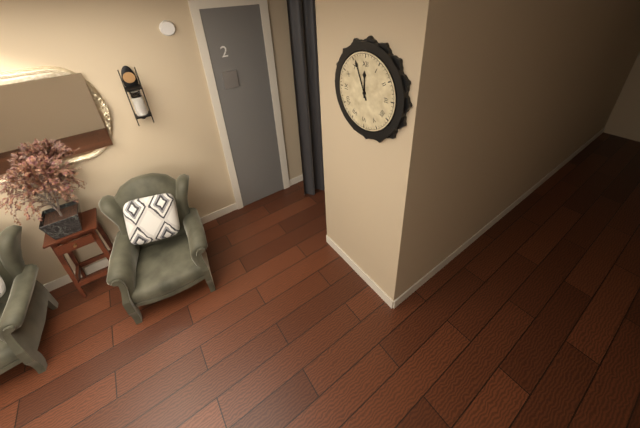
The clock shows **11:56**
